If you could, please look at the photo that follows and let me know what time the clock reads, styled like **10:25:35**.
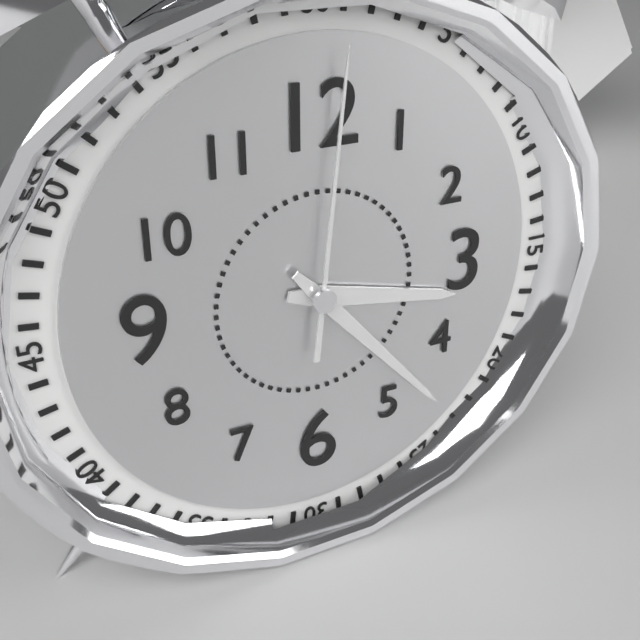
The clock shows **3:23:01**
